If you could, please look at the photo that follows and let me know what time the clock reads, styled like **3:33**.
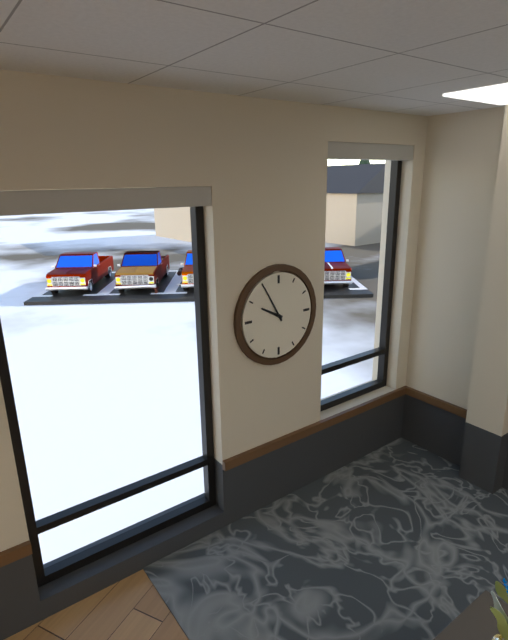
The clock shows **9:55**
